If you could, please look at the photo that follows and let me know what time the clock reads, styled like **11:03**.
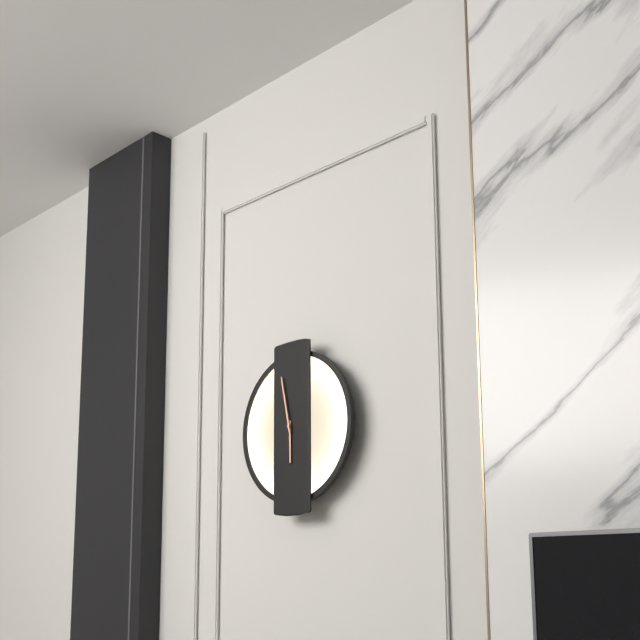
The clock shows **5:58**
